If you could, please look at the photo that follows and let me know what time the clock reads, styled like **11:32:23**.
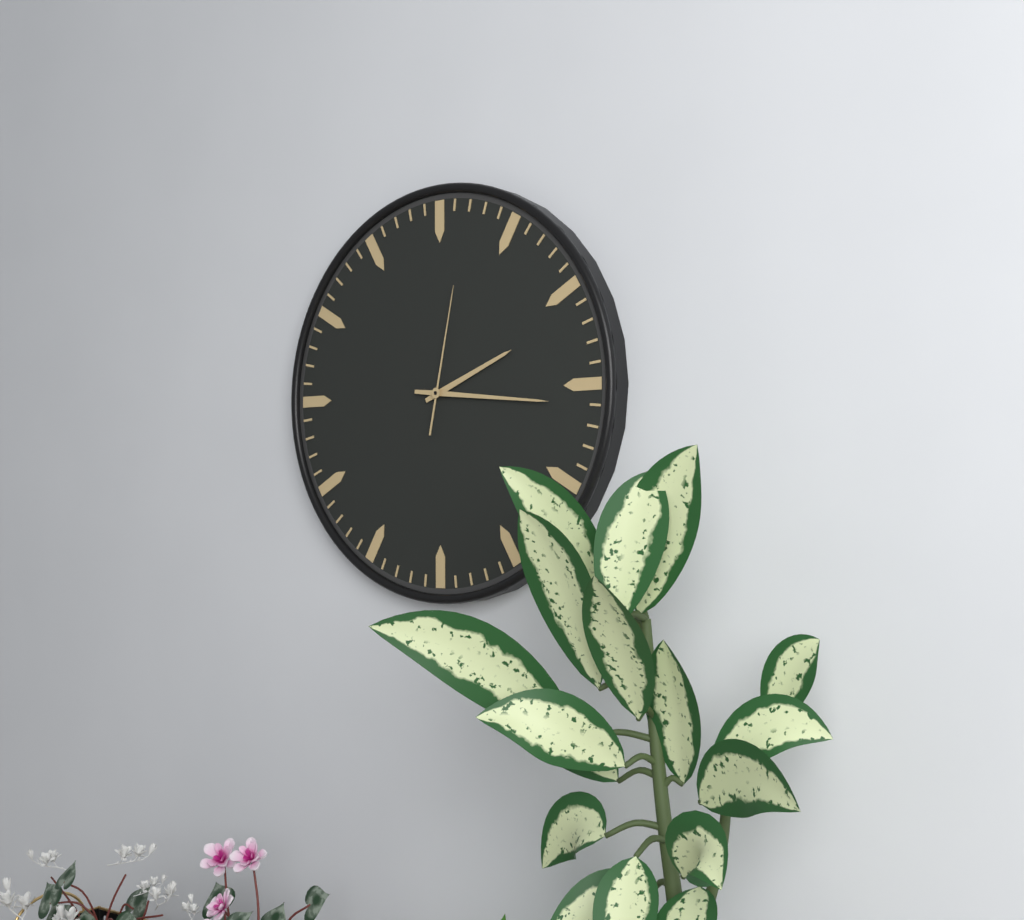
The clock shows **2:16:02**
